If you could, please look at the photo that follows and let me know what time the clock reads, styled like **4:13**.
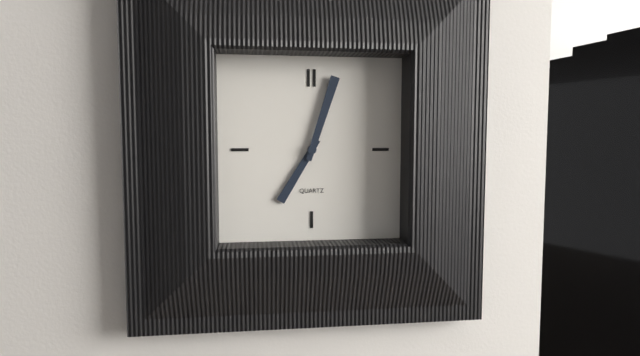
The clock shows **7:03**
